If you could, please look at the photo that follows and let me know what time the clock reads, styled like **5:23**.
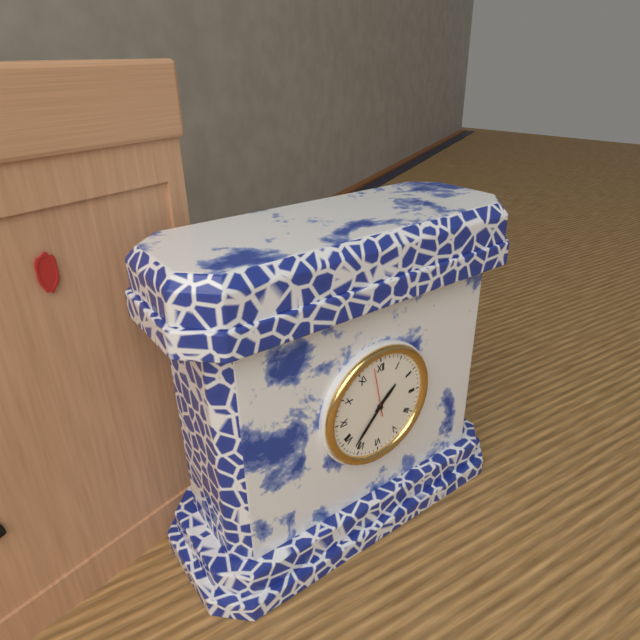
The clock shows **1:37**
